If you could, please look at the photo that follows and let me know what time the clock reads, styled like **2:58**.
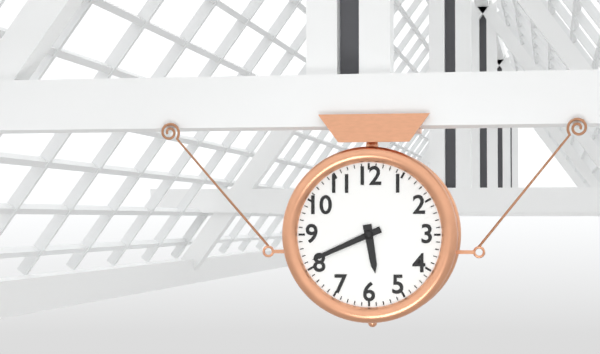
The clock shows **5:41**
